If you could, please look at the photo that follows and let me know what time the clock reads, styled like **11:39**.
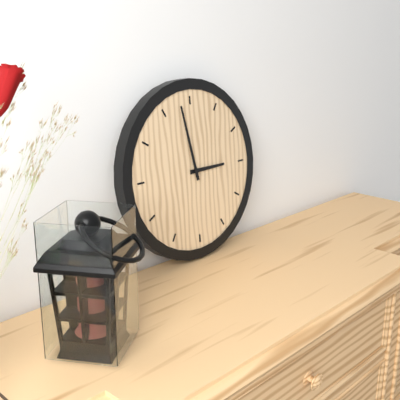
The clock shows **2:58**
